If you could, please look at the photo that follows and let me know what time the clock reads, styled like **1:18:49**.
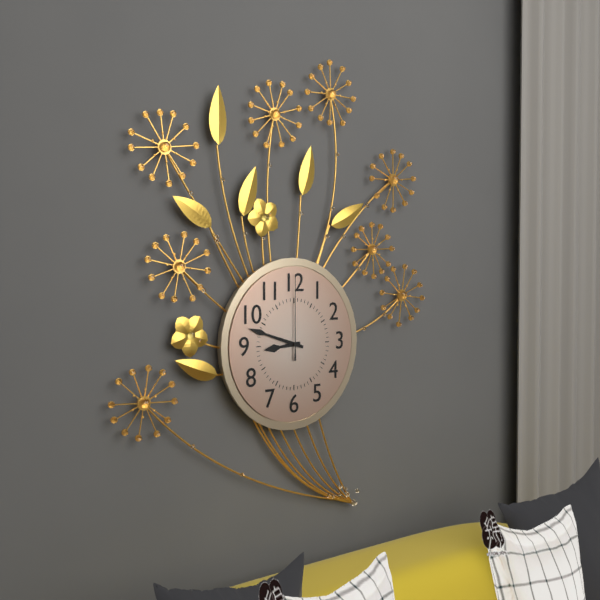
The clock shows **8:48:00**
